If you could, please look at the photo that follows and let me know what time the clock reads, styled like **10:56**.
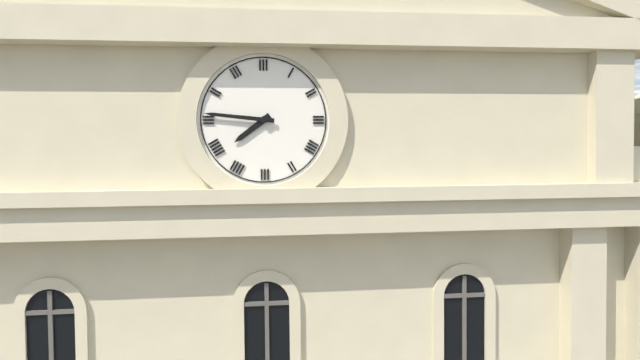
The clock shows **7:46**
